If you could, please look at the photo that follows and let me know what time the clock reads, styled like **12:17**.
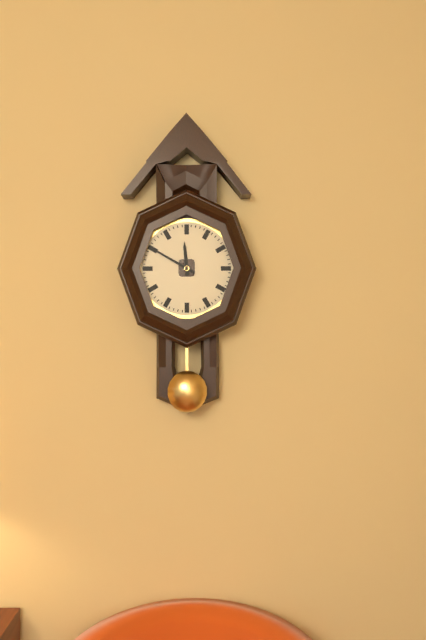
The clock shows **11:50**
